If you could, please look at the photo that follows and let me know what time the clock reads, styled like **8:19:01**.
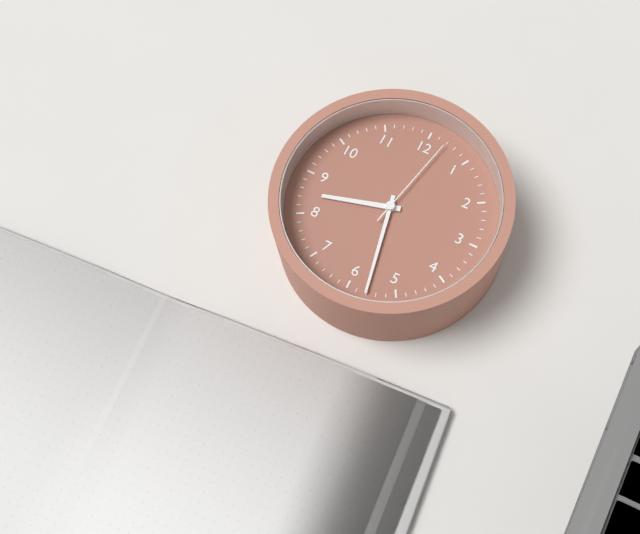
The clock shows **8:28:02**
